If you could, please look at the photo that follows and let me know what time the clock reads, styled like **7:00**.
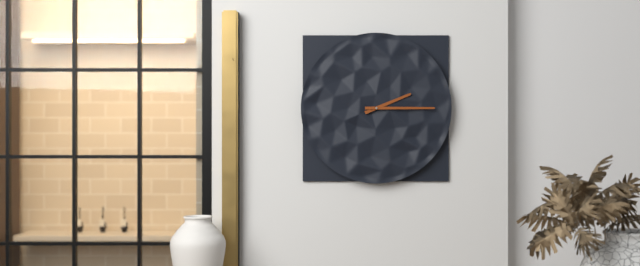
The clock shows **2:15**
